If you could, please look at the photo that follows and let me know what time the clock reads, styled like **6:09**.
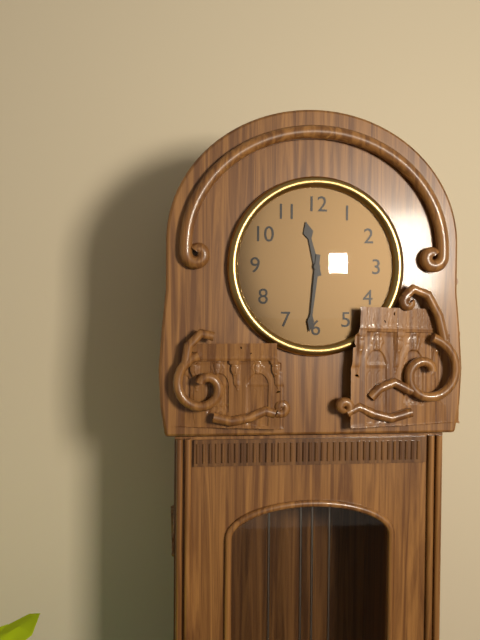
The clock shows **11:31**
